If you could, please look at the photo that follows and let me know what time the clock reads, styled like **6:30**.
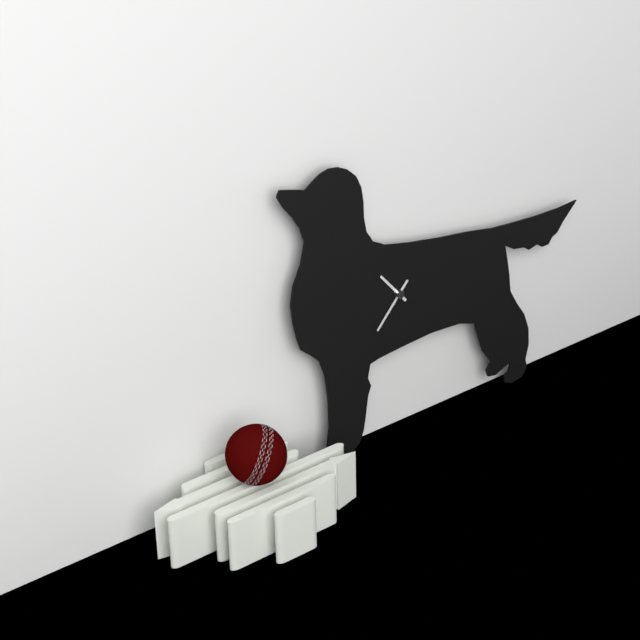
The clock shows **10:37**
